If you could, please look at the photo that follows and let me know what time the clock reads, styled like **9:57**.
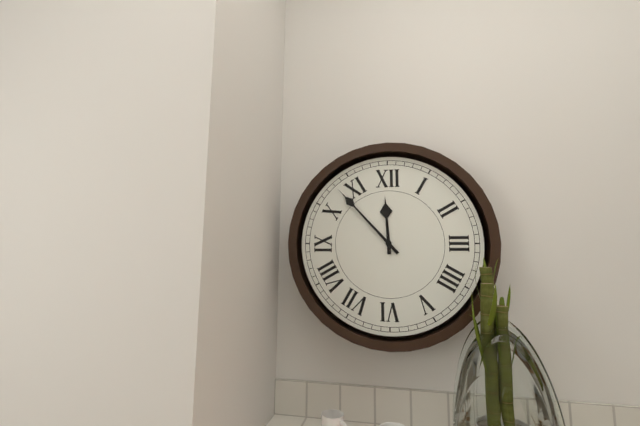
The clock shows **11:53**
